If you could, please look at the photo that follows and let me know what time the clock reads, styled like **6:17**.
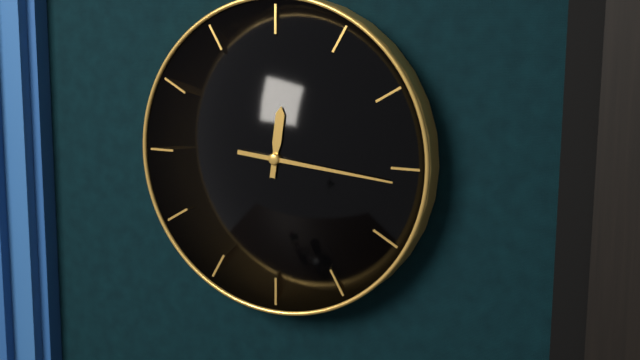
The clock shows **12:16**
